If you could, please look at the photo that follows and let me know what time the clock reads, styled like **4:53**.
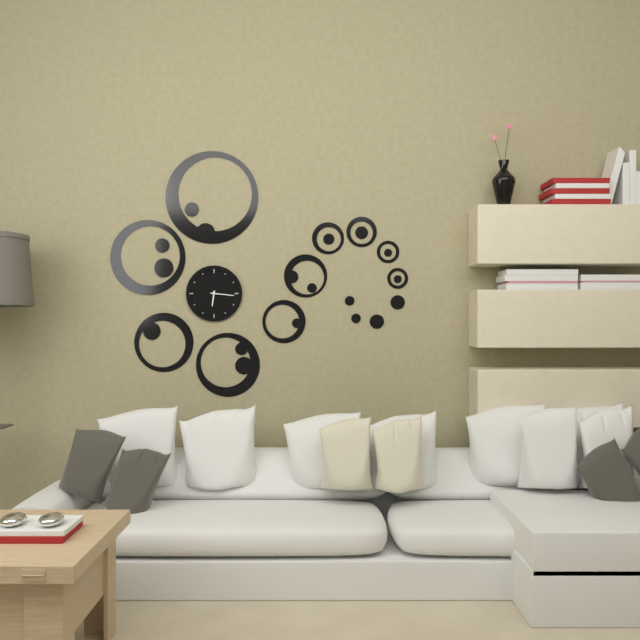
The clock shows **6:16**
